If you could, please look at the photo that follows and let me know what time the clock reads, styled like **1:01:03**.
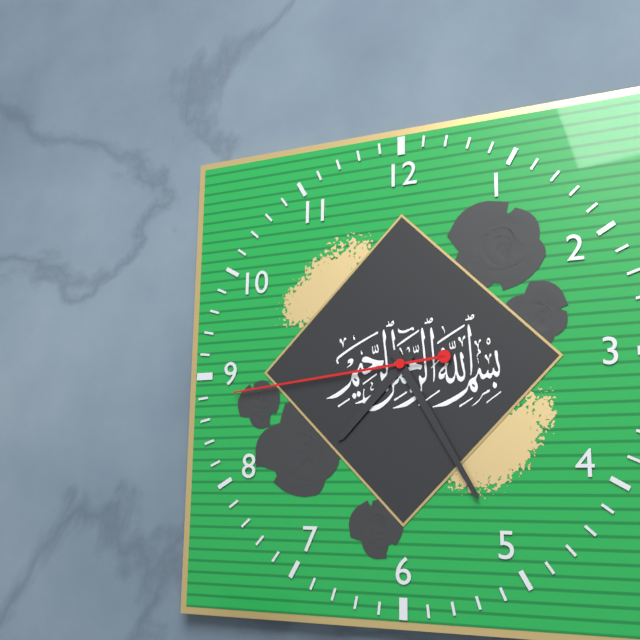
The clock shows **7:25:44**
